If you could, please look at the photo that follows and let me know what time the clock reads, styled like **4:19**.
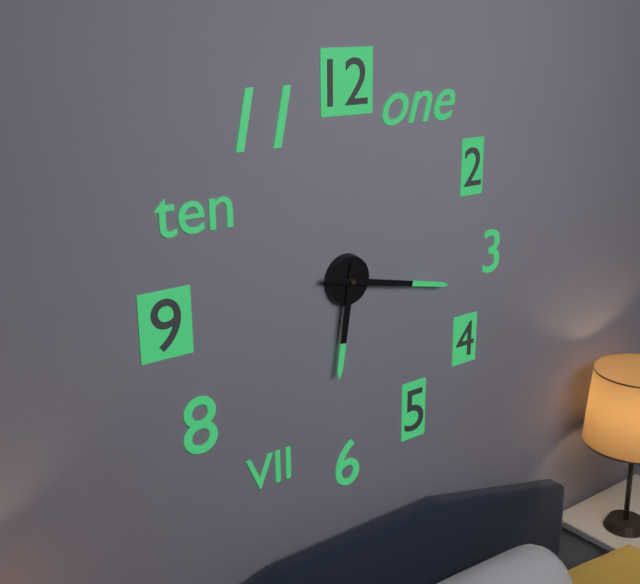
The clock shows **6:17**
